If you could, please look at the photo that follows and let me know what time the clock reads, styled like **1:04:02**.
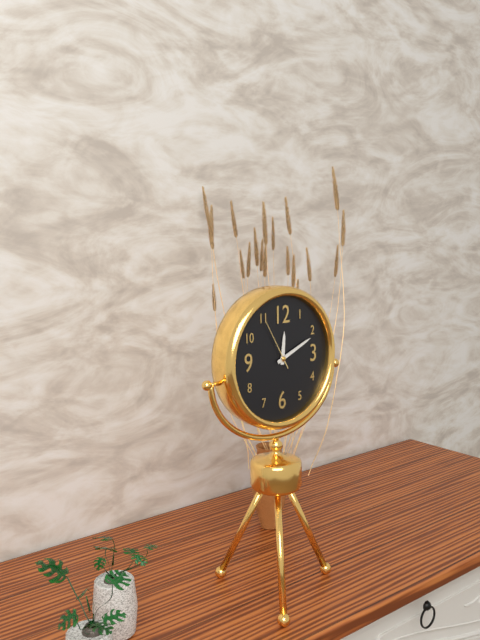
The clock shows **12:11:55**
